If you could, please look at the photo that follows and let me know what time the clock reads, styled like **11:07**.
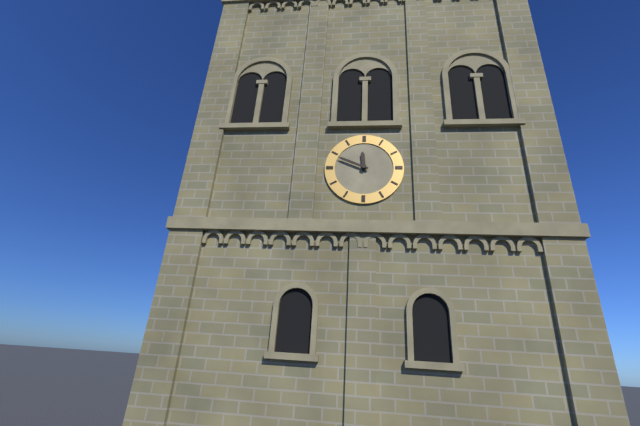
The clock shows **11:49**
